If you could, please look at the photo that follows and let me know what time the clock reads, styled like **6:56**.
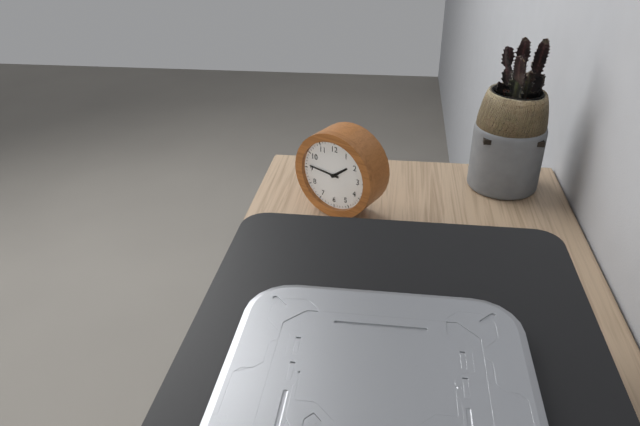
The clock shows **1:46**
